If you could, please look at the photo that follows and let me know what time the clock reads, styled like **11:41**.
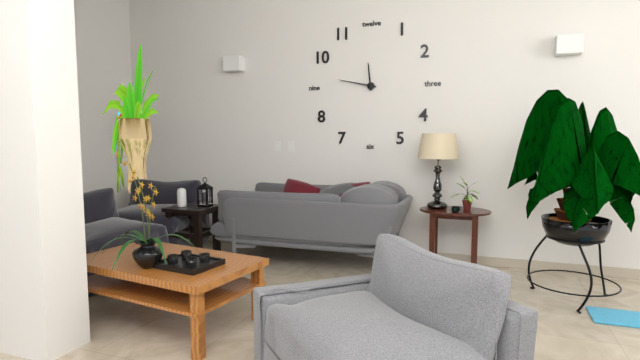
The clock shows **11:47**
